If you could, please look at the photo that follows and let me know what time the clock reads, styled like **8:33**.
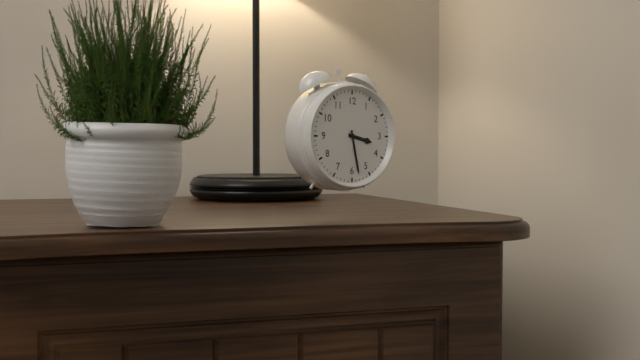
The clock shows **3:28**
